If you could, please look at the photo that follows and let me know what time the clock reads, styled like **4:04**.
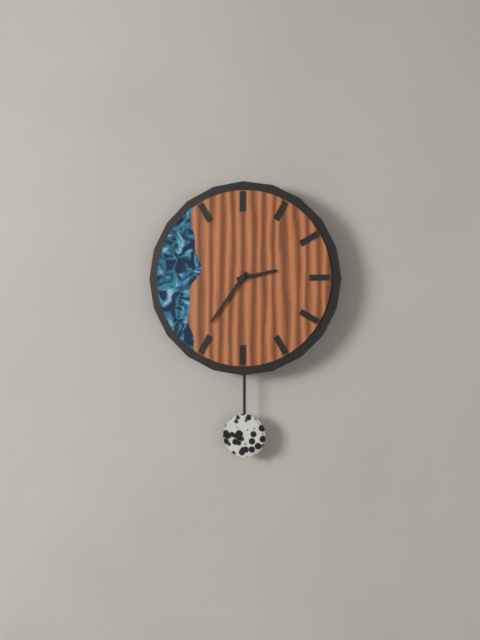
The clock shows **2:36**
